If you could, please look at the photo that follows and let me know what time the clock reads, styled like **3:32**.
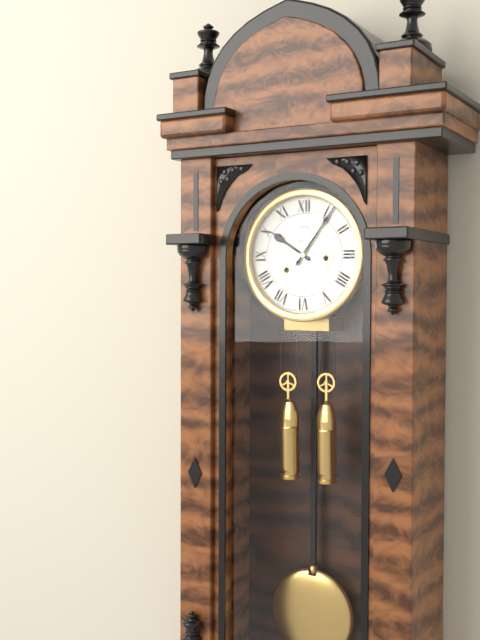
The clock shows **10:06**
